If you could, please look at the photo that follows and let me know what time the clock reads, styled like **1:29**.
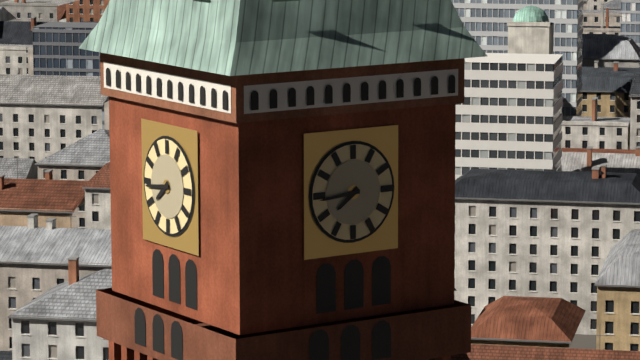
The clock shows **7:44**
